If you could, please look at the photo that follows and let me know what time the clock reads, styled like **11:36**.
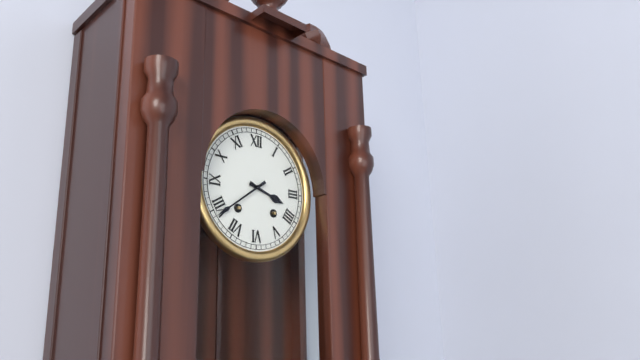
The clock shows **3:39**
